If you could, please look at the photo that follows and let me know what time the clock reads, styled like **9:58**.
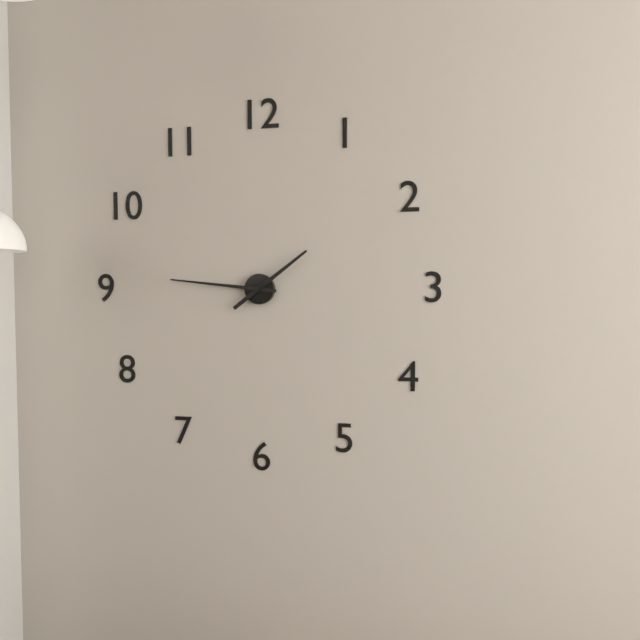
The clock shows **1:46**
